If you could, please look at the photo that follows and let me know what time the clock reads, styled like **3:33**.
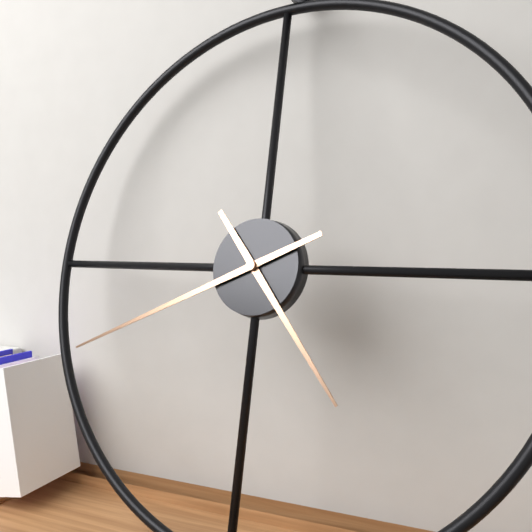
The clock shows **4:41**
